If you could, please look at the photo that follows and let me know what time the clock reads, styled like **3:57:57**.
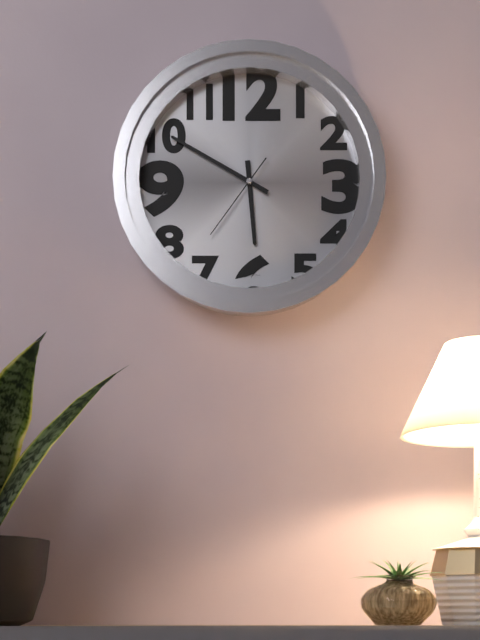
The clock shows **5:50:36**
